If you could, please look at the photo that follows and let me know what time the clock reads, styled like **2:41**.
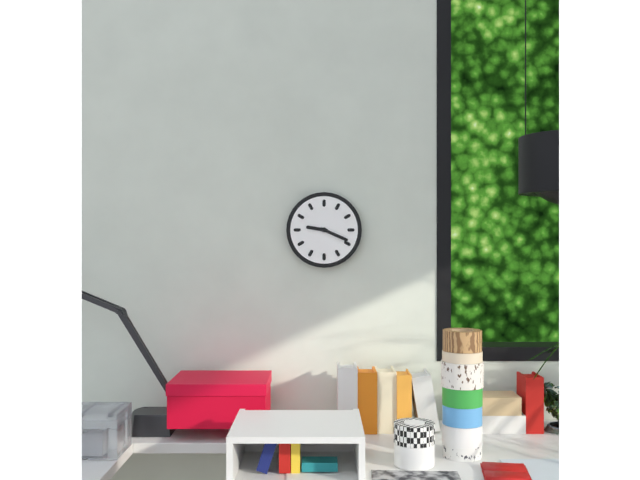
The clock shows **9:19**
